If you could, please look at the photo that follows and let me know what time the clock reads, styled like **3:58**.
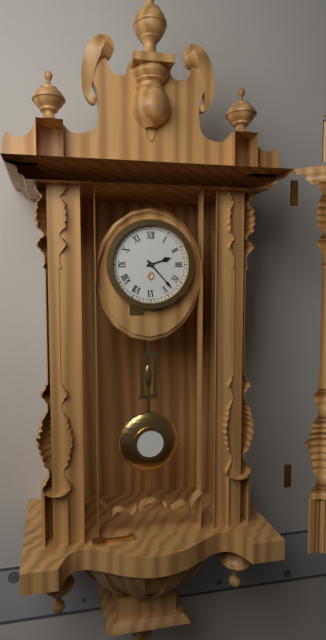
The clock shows **2:23**
